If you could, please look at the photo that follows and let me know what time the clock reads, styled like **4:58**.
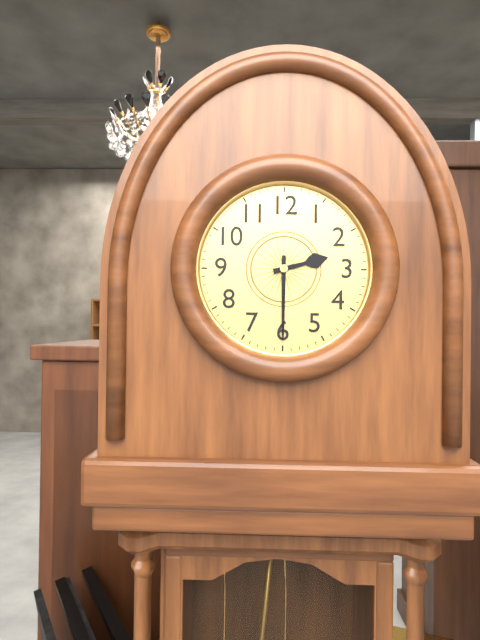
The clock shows **2:30**
